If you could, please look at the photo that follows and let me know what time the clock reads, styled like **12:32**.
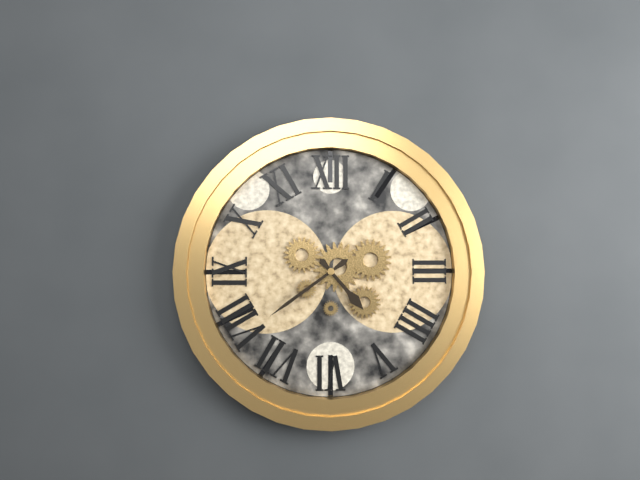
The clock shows **4:39**
